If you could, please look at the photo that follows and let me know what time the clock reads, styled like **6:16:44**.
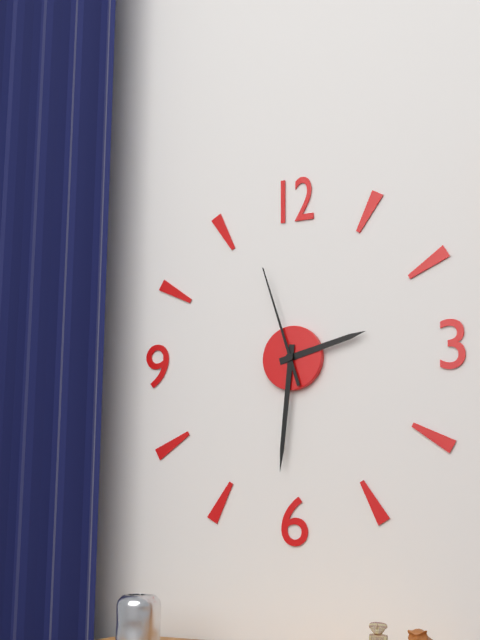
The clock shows **2:31:57**
